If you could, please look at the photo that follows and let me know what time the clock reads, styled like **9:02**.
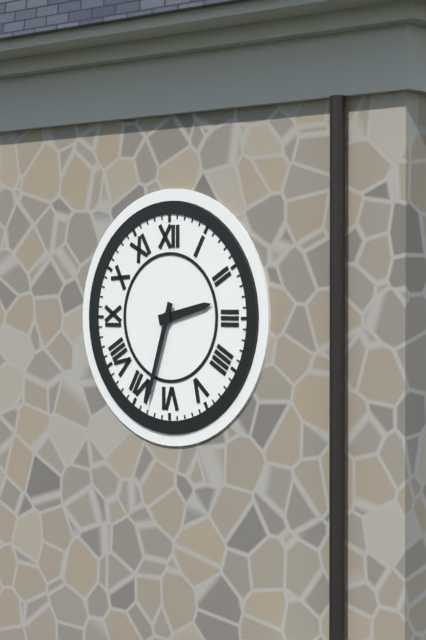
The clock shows **2:33**
